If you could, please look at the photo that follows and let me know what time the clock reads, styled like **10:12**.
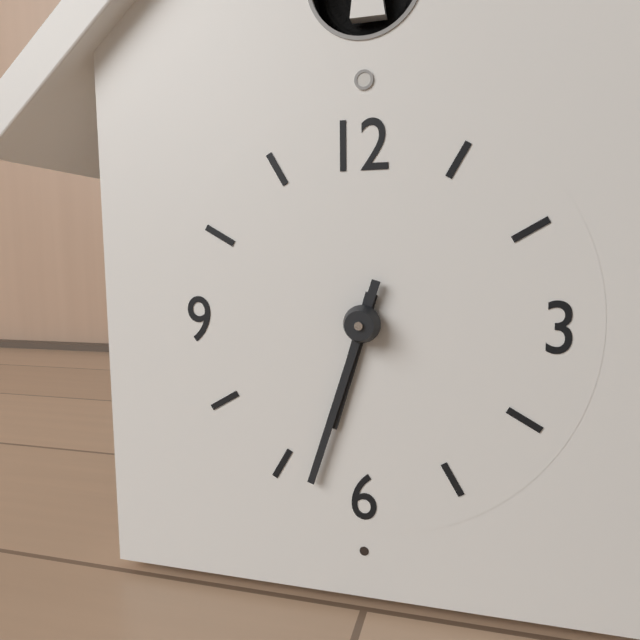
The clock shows **6:33**
